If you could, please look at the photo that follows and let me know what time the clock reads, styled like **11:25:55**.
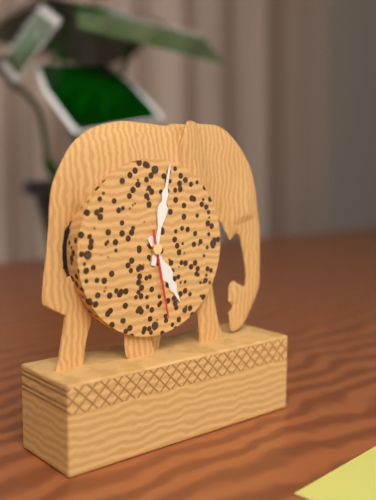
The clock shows **5:02:28**
